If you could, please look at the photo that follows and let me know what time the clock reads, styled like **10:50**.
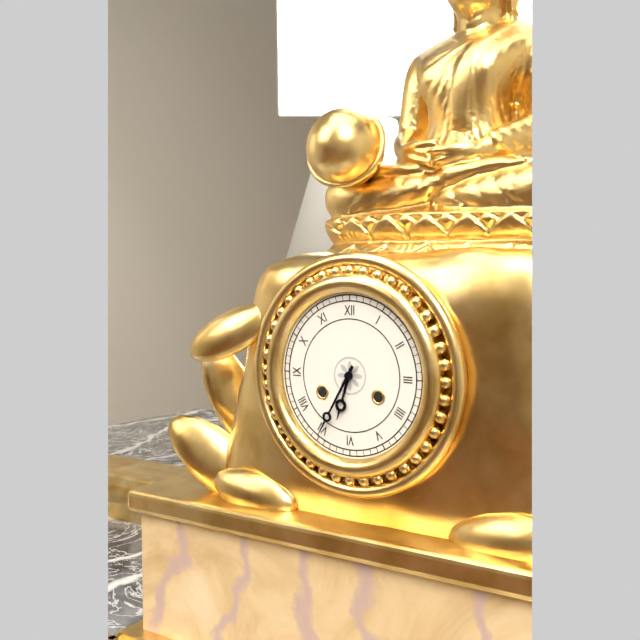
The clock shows **6:35**
